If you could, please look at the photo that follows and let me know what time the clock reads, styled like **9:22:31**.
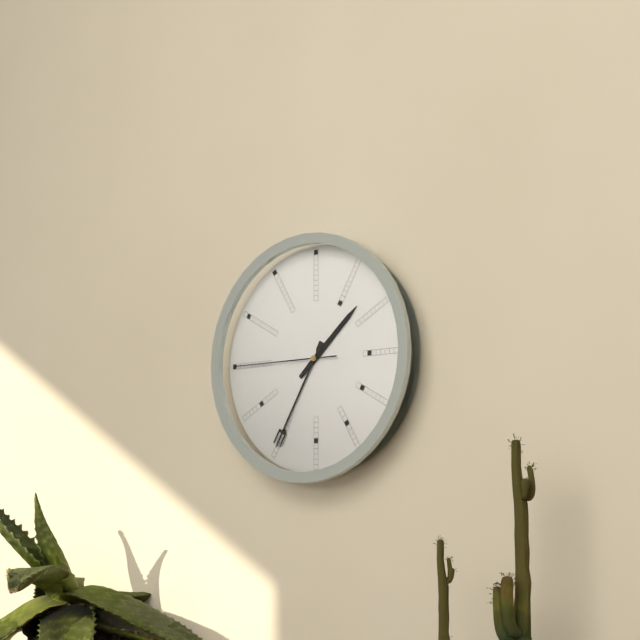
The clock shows **1:35:45**
